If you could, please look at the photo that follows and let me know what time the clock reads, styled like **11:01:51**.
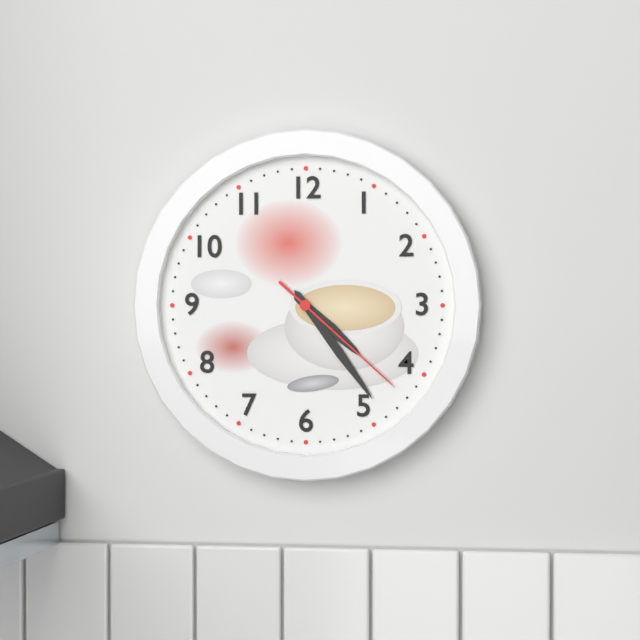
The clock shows **4:24:22**
